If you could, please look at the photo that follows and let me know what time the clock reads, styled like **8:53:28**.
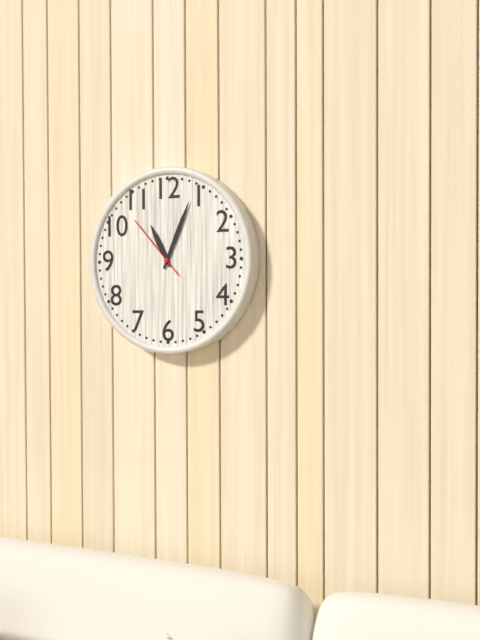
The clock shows **11:04:53**
